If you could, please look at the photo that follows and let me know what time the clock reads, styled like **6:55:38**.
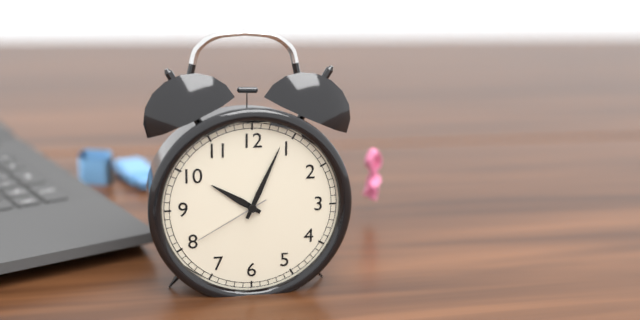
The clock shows **10:04:40**
